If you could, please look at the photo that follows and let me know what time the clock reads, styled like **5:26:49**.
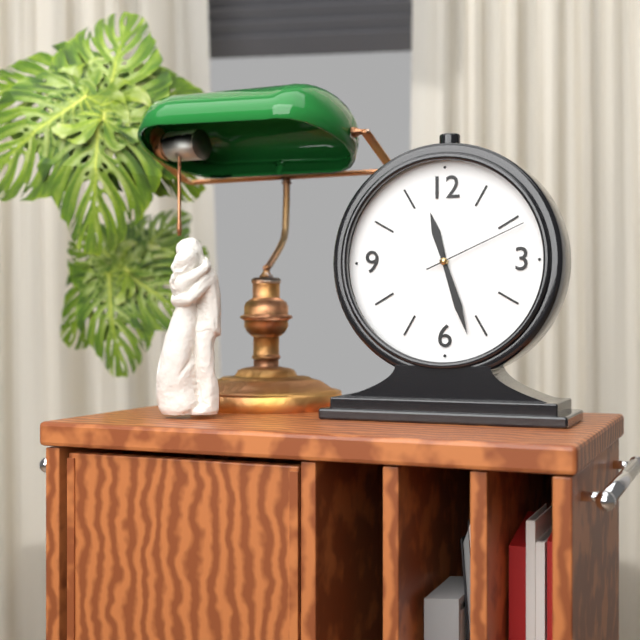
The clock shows **11:27:11**
